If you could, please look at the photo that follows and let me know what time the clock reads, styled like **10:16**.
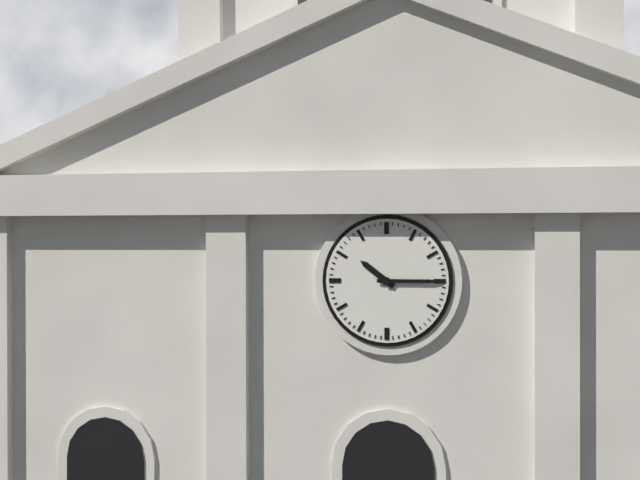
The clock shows **10:15**
